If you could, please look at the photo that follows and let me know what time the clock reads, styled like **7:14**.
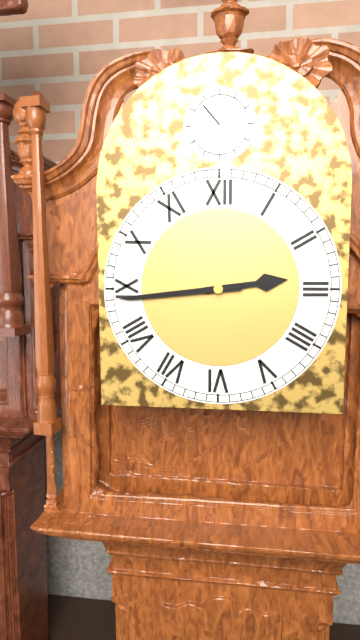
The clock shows **2:44**
